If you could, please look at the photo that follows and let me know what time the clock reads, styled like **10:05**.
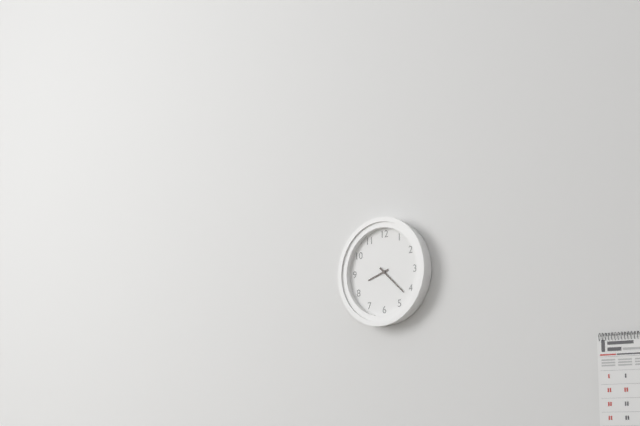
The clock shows **8:22**
